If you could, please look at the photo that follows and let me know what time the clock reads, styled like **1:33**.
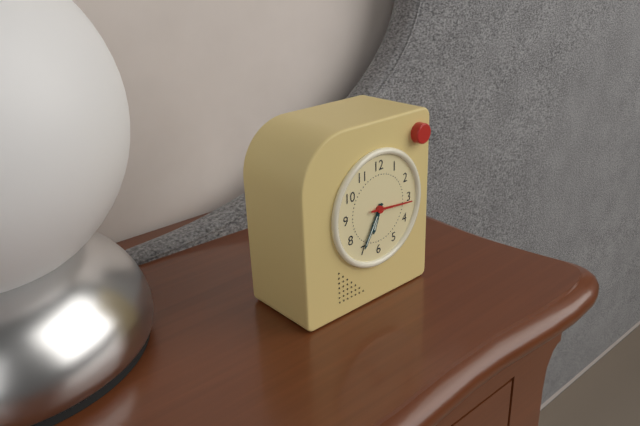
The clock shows **6:35**
